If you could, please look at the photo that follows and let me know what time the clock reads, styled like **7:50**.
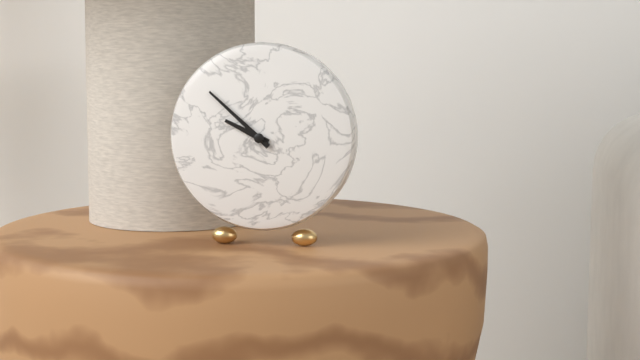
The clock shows **9:52**
